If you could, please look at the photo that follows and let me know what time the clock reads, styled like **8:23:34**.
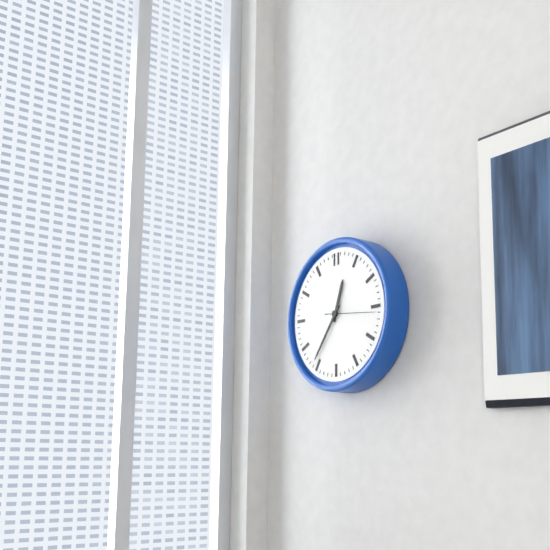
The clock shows **12:36:16**
